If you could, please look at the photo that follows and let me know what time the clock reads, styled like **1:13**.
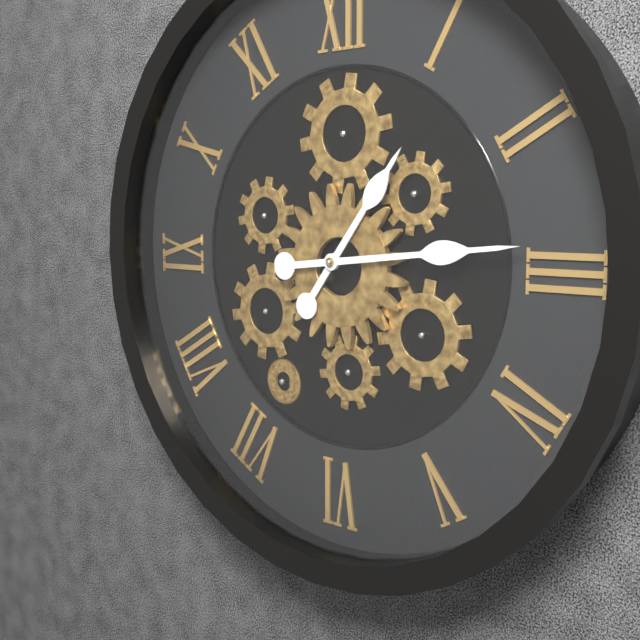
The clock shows **1:14**
